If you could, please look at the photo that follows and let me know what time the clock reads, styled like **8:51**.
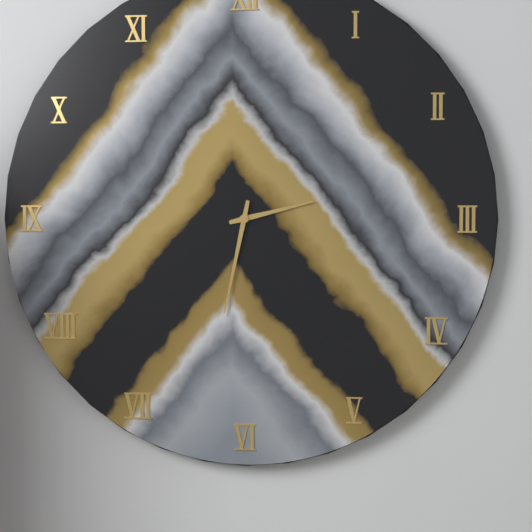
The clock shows **2:32**
